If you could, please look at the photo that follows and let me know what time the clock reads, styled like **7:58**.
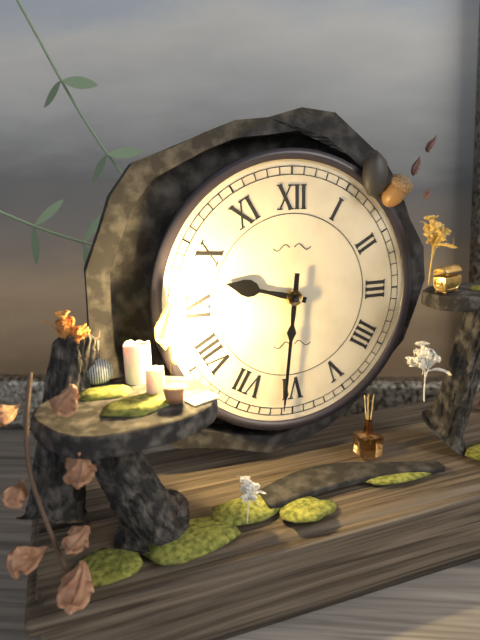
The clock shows **9:31**
